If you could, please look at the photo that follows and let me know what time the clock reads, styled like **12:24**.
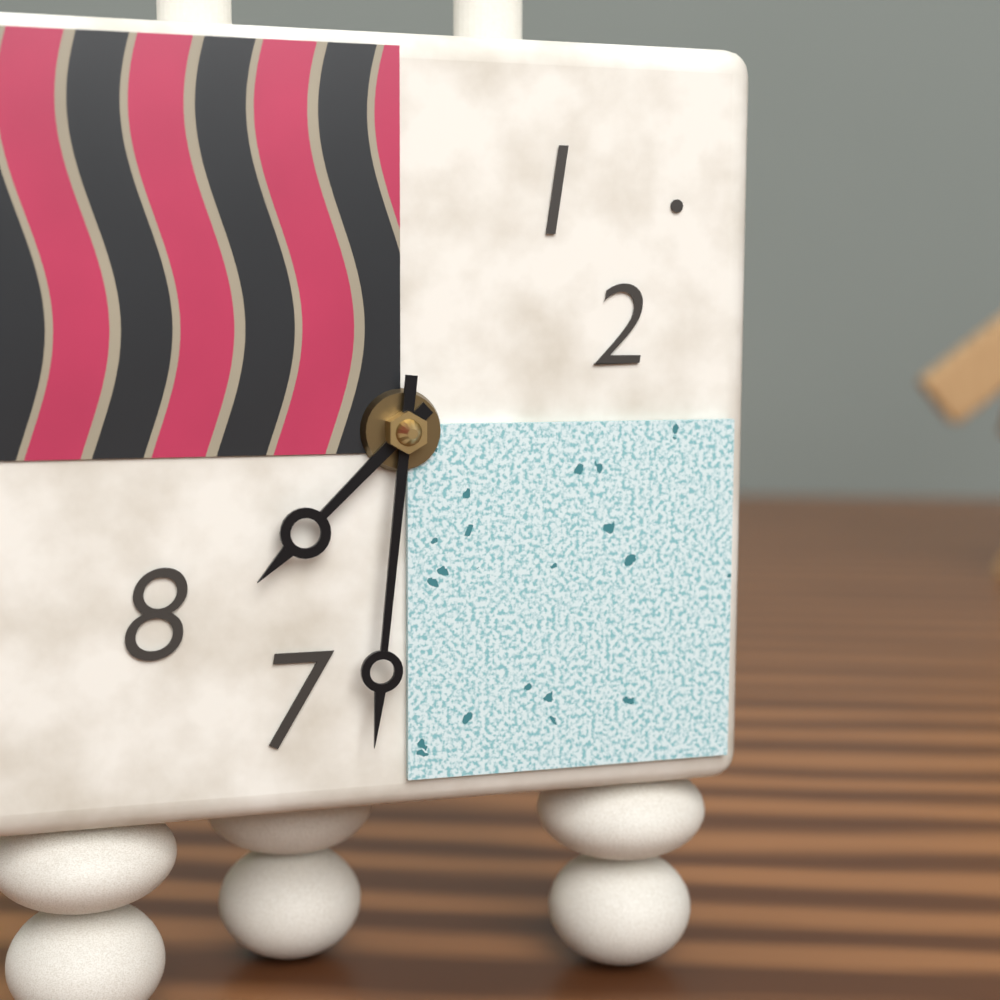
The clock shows **7:31**
